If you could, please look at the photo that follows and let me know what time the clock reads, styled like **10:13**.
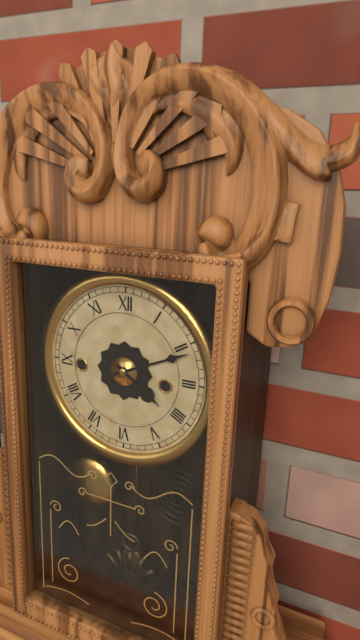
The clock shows **4:11**
